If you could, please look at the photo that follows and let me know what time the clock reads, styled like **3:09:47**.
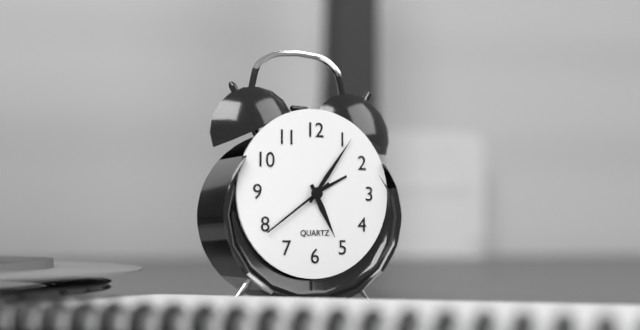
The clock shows **5:06:39**
